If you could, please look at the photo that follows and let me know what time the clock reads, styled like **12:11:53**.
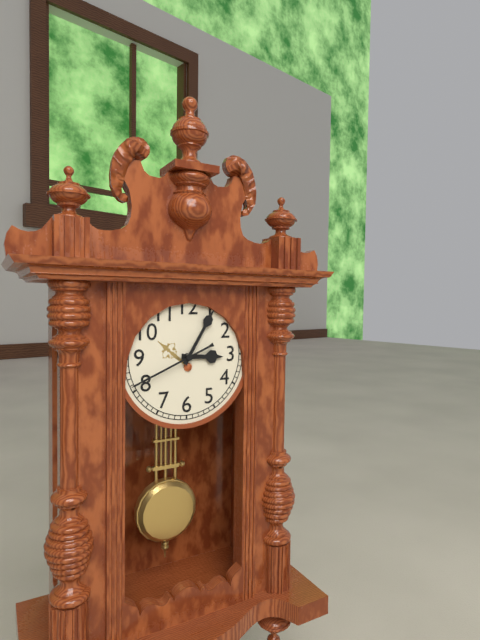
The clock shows **3:05:41**
